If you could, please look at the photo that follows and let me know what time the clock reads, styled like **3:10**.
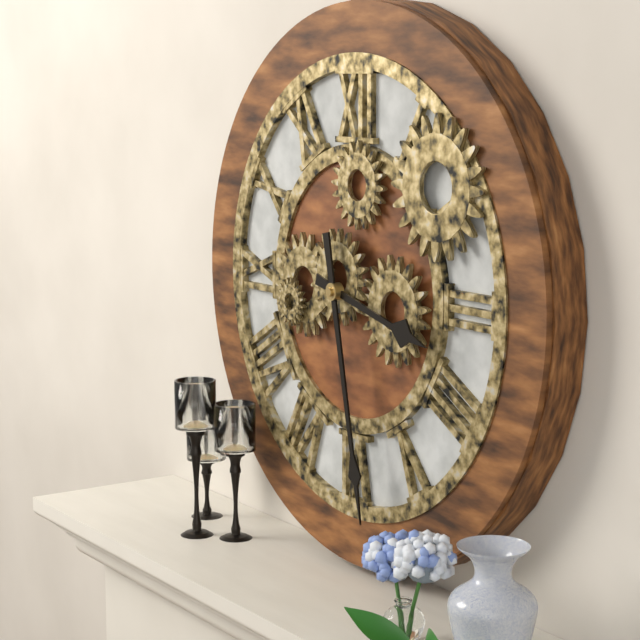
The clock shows **3:28**
